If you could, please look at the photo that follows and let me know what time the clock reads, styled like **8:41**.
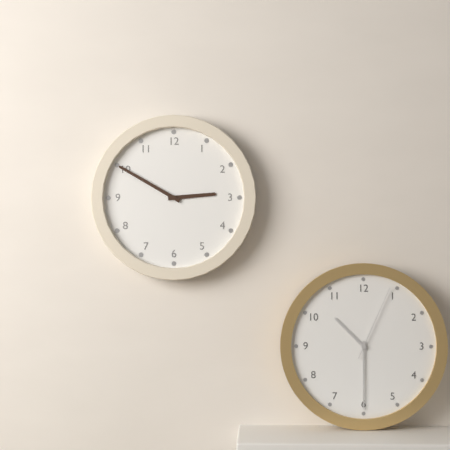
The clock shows **2:50**
